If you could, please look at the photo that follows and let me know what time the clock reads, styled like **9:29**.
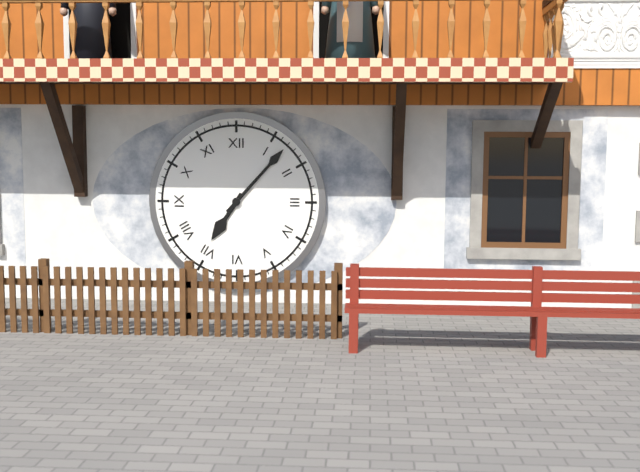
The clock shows **7:07**
